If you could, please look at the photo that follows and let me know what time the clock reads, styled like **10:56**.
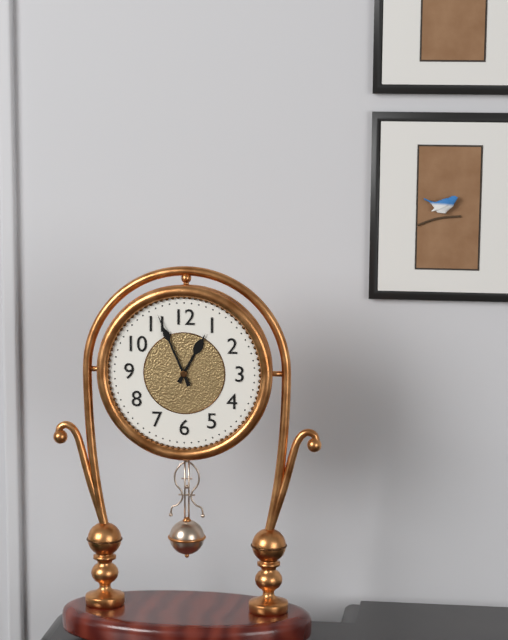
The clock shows **12:56**
